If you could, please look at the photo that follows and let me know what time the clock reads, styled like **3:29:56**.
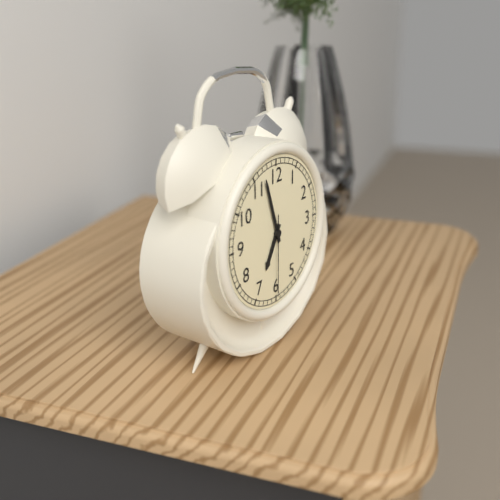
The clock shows **6:57:30**
